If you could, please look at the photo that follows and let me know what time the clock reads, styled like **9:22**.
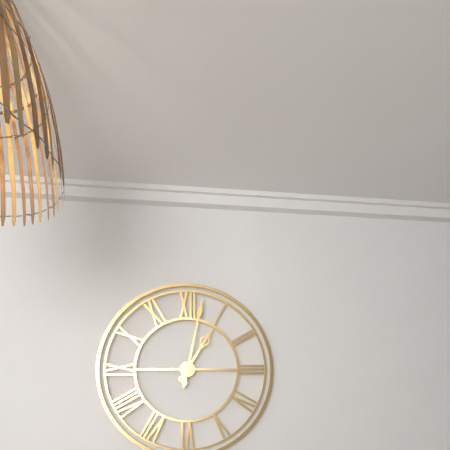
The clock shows **1:02**
